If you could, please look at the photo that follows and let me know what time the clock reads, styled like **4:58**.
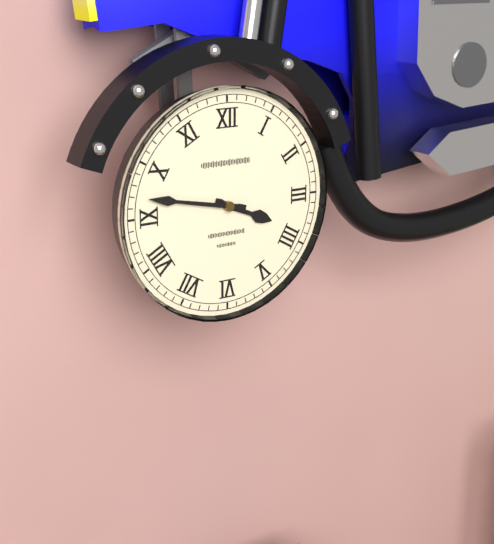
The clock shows **3:47**
